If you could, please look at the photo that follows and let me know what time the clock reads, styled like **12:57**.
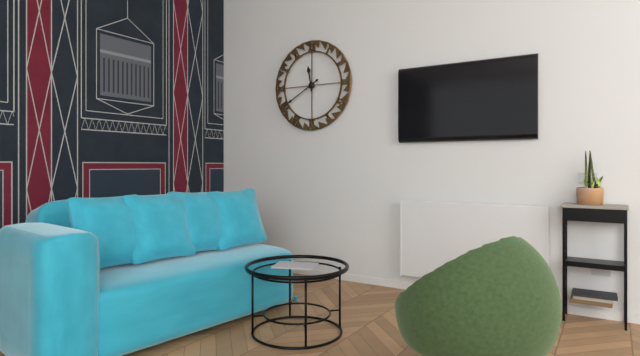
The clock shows **11:40**
